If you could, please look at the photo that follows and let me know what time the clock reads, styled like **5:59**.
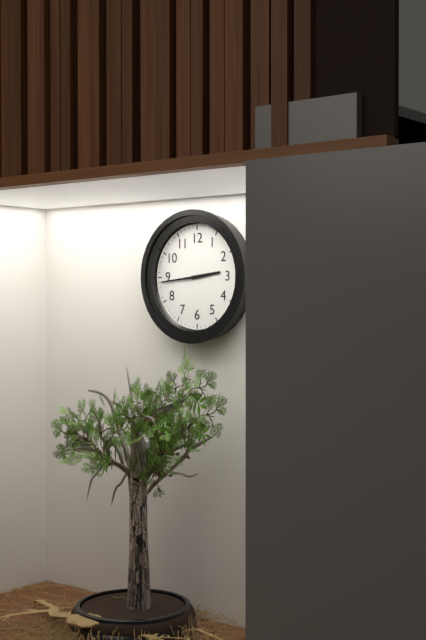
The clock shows **2:44**
